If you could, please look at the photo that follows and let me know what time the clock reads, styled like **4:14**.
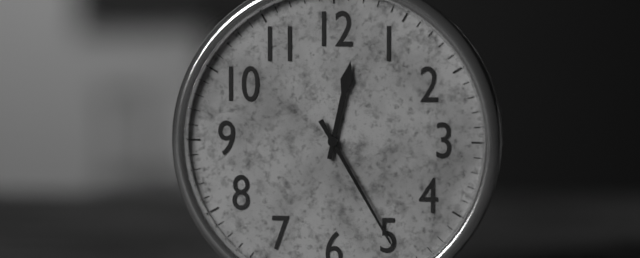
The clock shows **12:25**
